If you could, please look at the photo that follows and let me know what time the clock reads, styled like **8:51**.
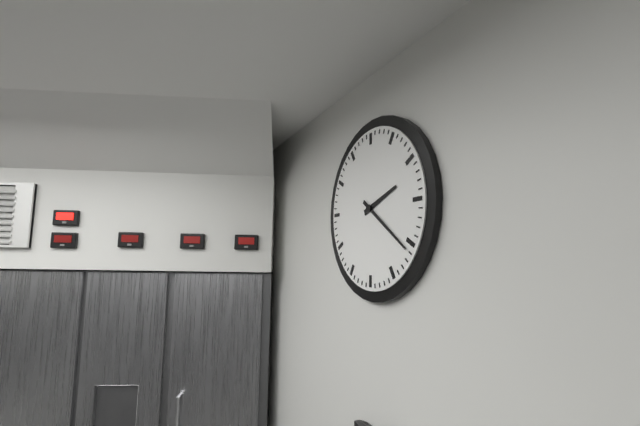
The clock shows **2:21**
